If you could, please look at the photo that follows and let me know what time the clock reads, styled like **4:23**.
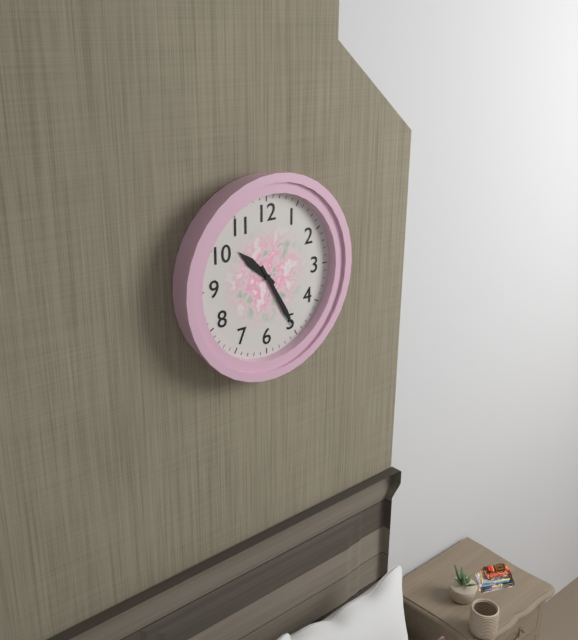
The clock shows **10:25**
